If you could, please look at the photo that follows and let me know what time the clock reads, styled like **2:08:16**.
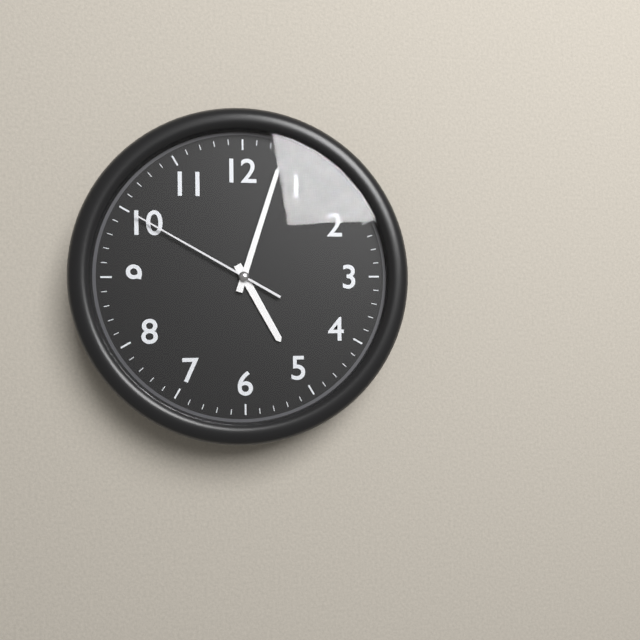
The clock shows **5:03:50**
